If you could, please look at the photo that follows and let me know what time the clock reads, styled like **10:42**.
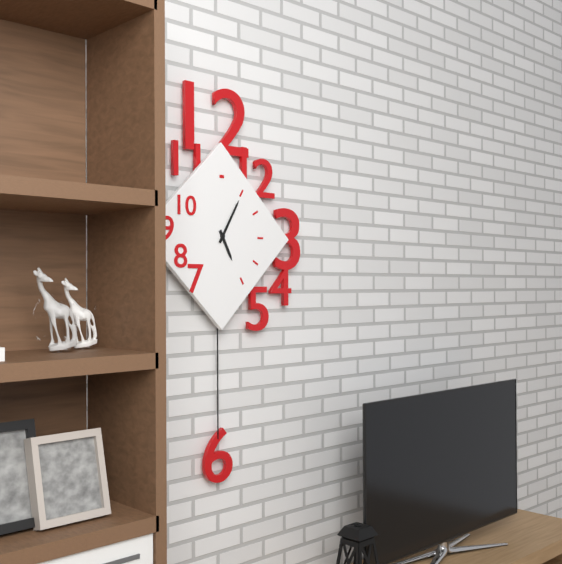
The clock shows **5:05**
